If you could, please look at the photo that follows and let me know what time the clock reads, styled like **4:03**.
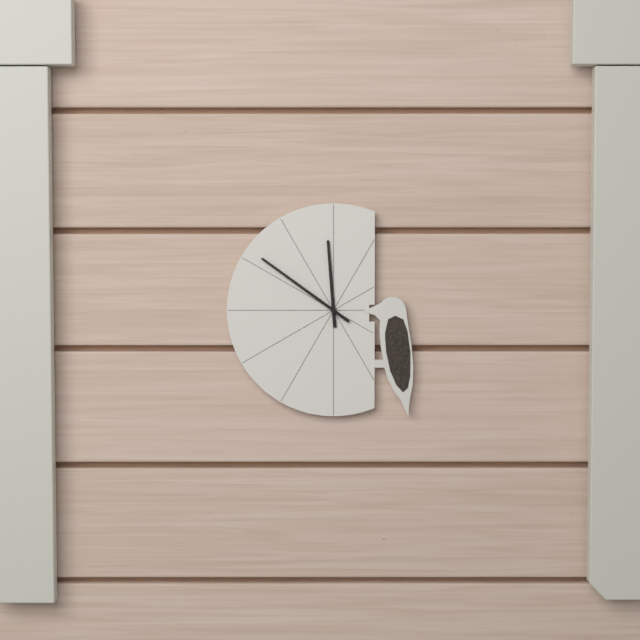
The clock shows **11:51**
